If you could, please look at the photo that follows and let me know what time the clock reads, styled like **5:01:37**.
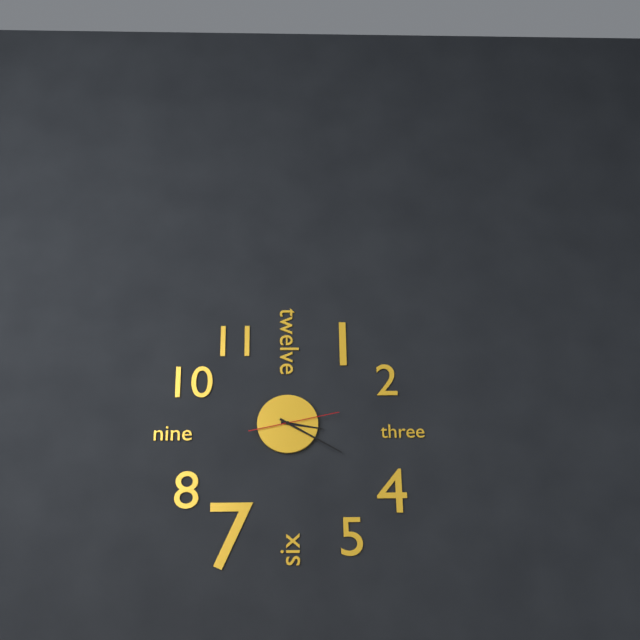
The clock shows **3:20:13**
